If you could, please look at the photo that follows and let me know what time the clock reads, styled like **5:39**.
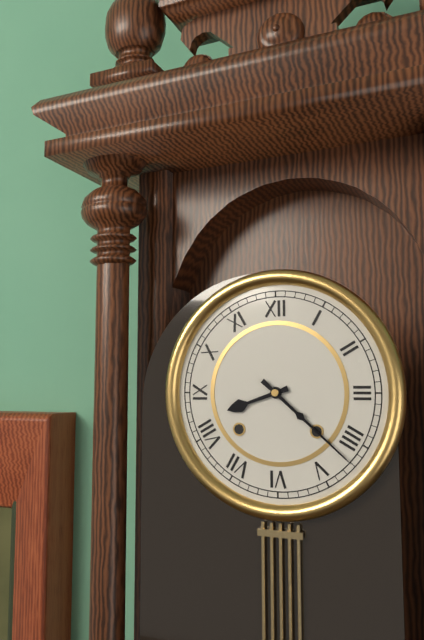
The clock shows **8:22**
